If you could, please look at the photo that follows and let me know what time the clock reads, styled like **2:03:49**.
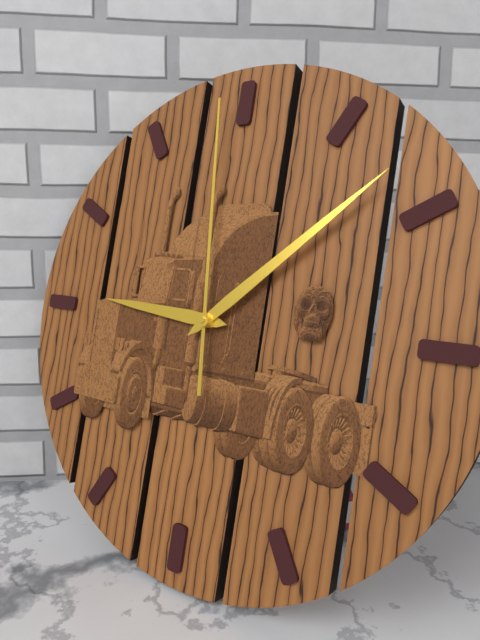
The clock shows **9:08:59**
